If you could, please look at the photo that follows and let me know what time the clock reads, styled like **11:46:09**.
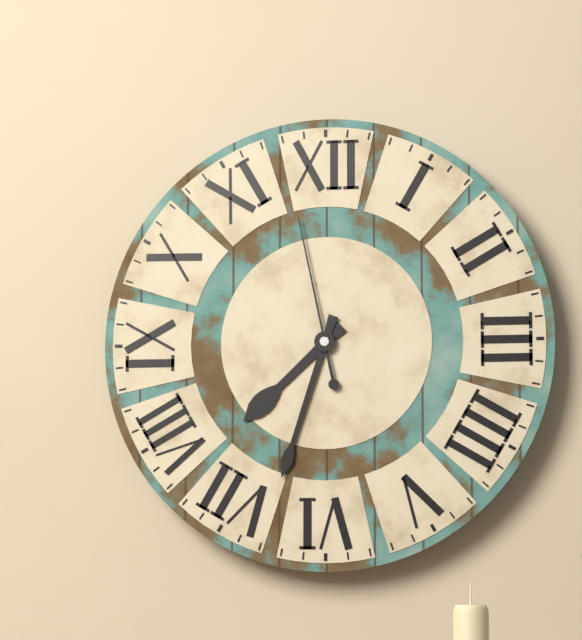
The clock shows **7:33:58**
